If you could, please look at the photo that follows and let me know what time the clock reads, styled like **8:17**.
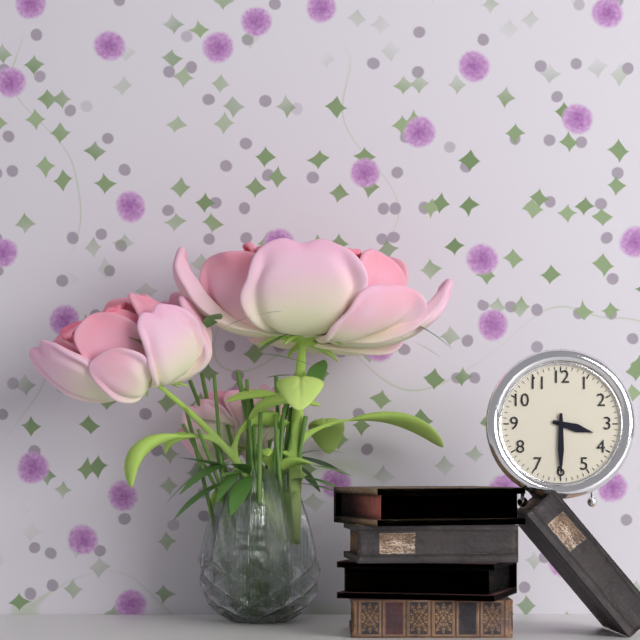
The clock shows **3:30**
